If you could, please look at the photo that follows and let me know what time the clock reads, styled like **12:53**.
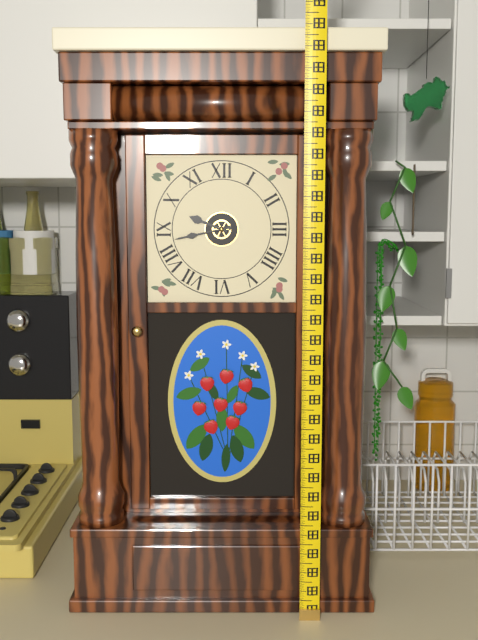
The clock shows **9:43**
